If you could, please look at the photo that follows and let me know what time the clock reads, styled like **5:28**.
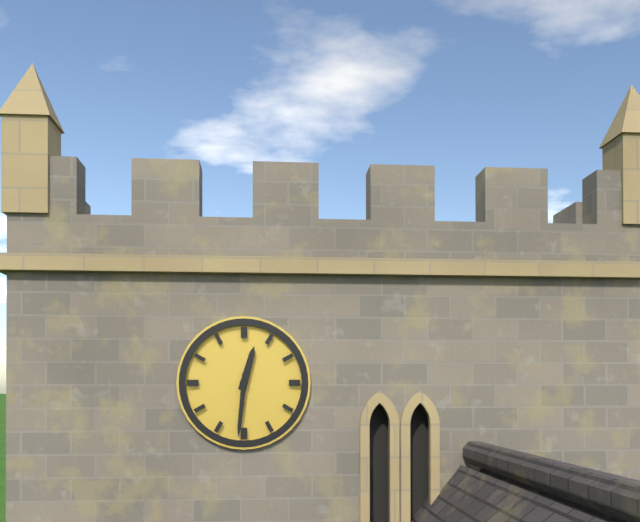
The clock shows **12:31**
